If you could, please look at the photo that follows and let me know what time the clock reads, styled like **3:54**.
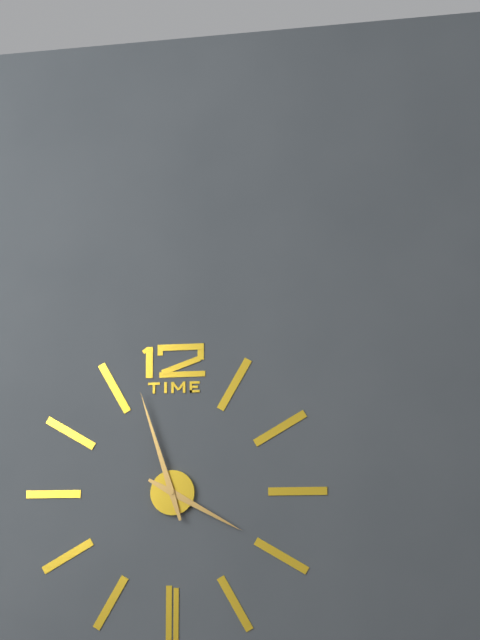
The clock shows **3:57**
